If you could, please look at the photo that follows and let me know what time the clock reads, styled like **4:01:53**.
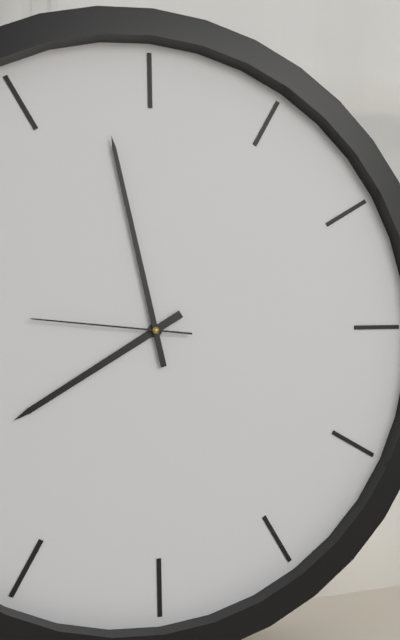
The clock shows **7:58:46**
